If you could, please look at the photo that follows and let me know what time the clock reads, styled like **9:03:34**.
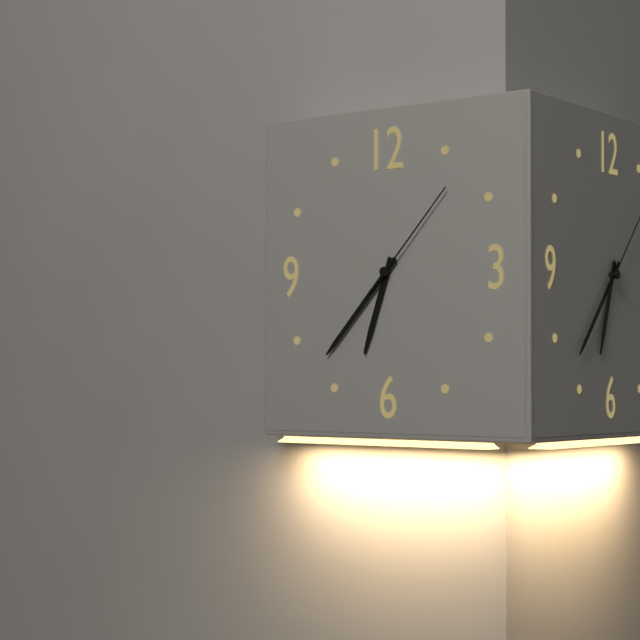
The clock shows **6:37:07**
